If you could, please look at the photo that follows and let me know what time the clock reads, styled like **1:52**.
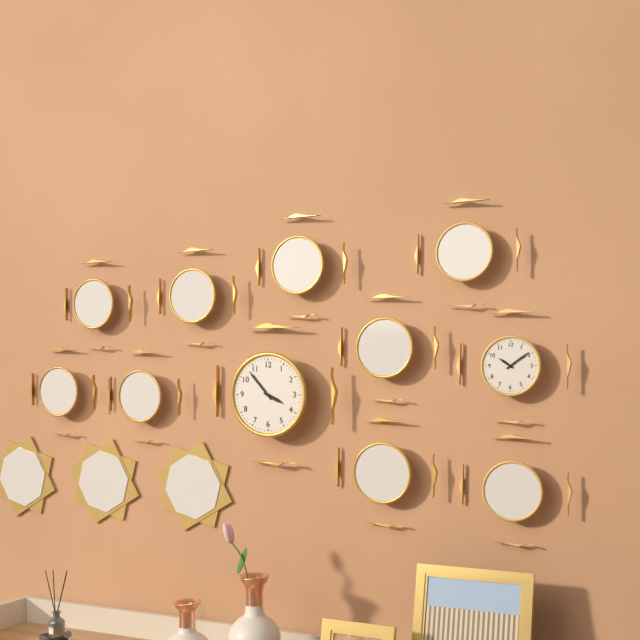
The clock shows **3:53**
